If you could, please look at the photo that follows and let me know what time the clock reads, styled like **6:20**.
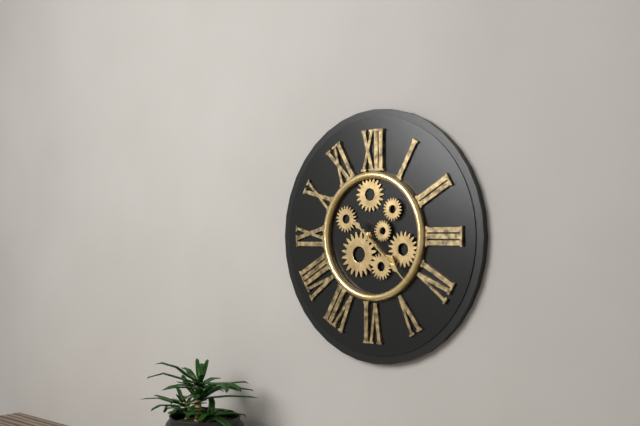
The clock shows **4:22**
